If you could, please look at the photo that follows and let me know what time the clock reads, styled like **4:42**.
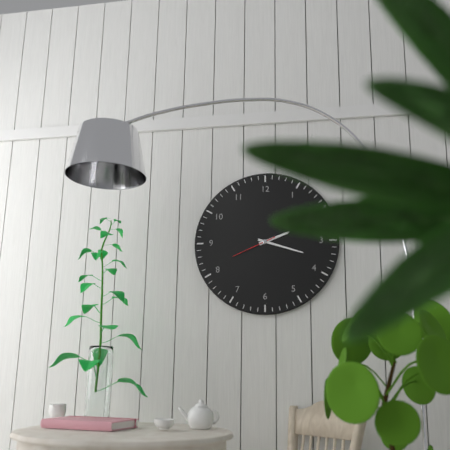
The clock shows **2:18**
